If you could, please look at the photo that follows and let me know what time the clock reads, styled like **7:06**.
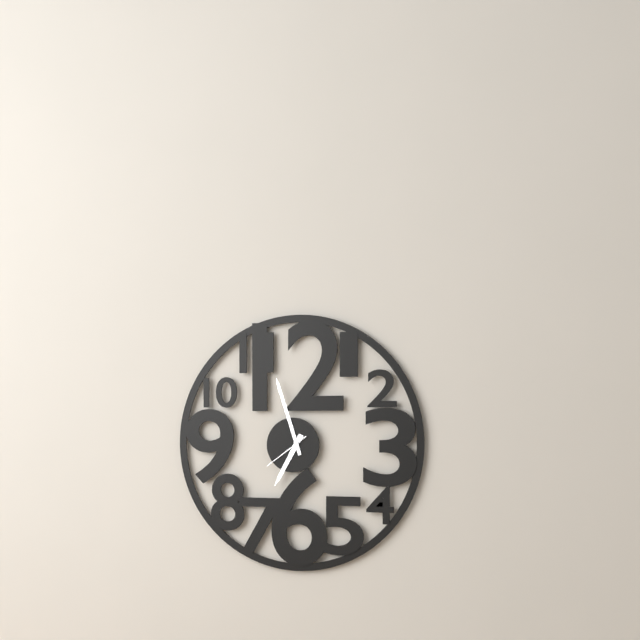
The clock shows **6:57**
